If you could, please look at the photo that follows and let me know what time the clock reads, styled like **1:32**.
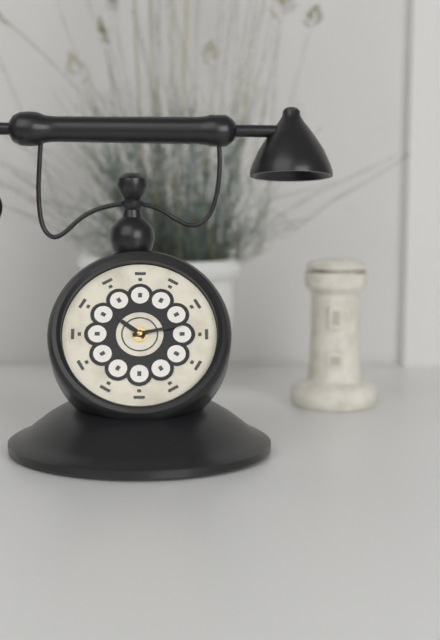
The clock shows **10:13**
